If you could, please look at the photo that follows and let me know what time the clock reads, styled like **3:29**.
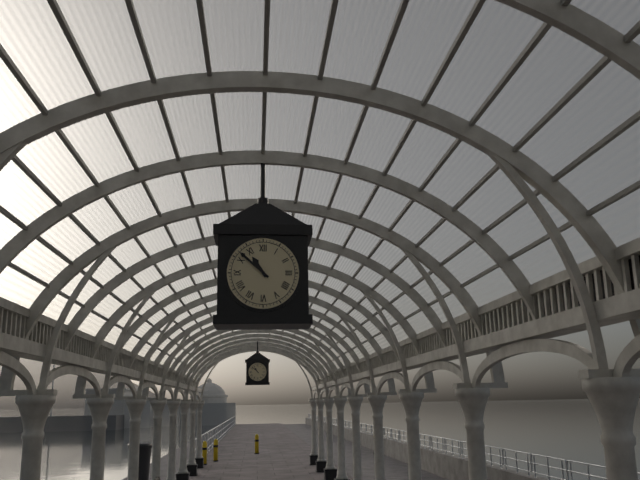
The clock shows **10:52**
